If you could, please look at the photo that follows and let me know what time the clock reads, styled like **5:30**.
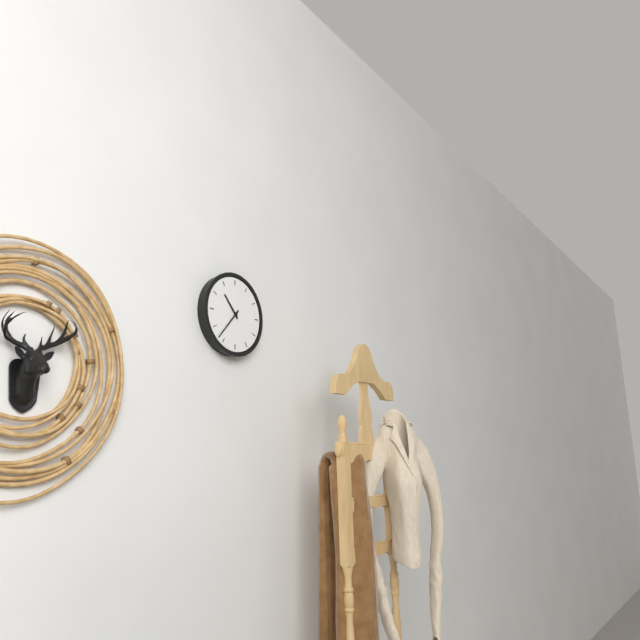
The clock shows **10:37**
